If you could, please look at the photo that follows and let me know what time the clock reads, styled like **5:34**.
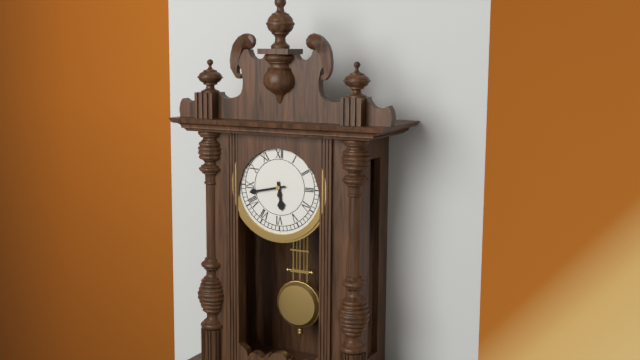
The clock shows **5:43**
